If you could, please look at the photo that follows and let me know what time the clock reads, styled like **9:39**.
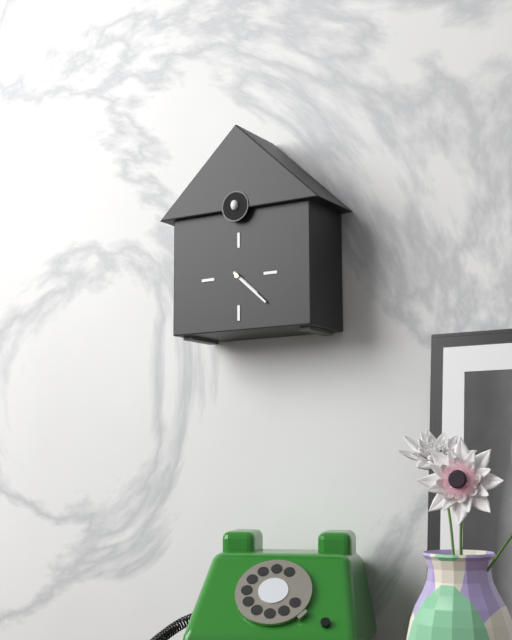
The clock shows **4:22**
